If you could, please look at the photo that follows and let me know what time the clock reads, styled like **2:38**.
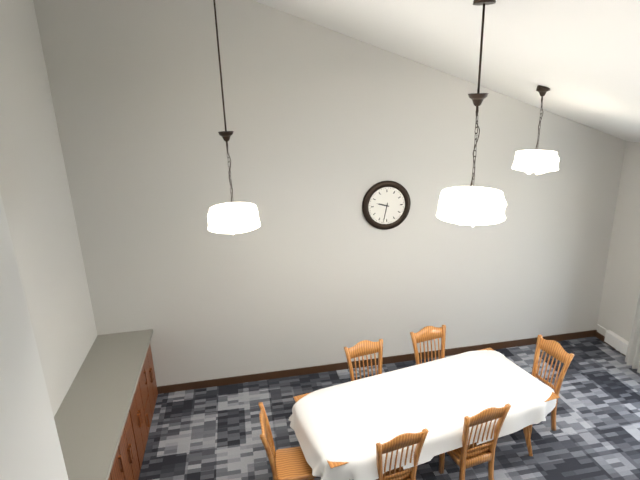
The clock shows **9:32**
